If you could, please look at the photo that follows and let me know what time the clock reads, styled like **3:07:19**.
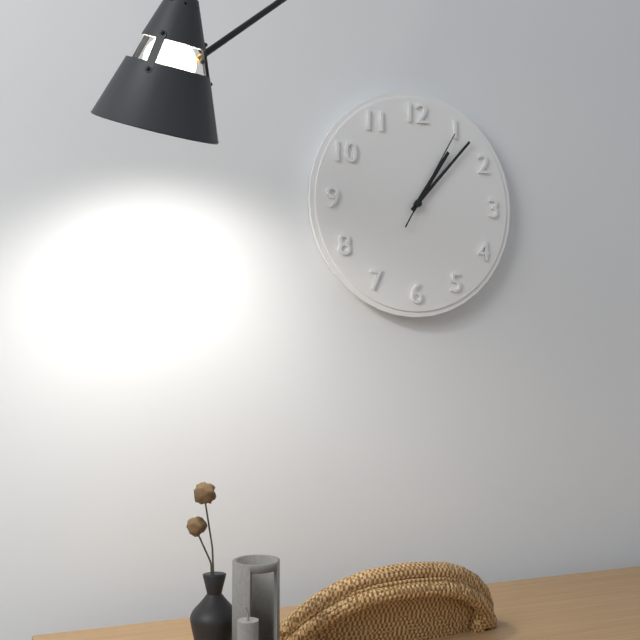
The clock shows **1:07:05**
